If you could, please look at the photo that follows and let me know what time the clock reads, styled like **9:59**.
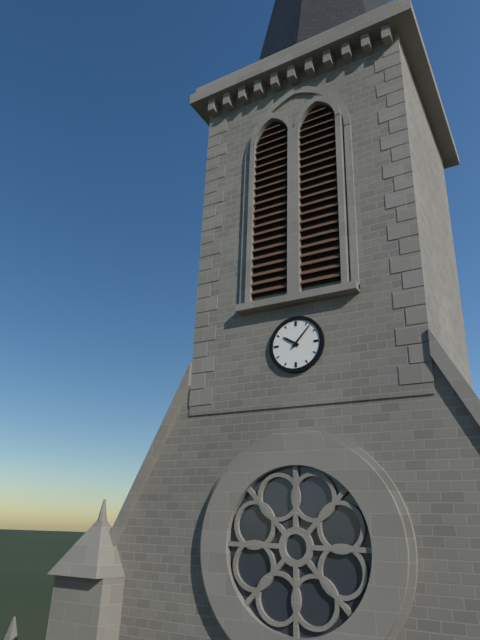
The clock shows **10:07**
